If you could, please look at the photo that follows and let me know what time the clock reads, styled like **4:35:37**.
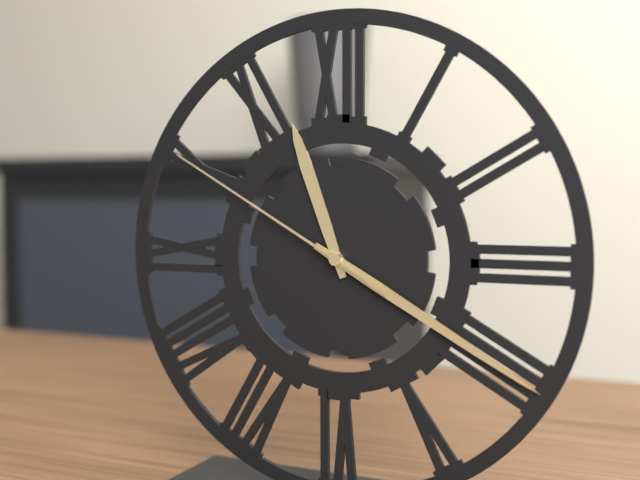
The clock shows **11:20:50**
